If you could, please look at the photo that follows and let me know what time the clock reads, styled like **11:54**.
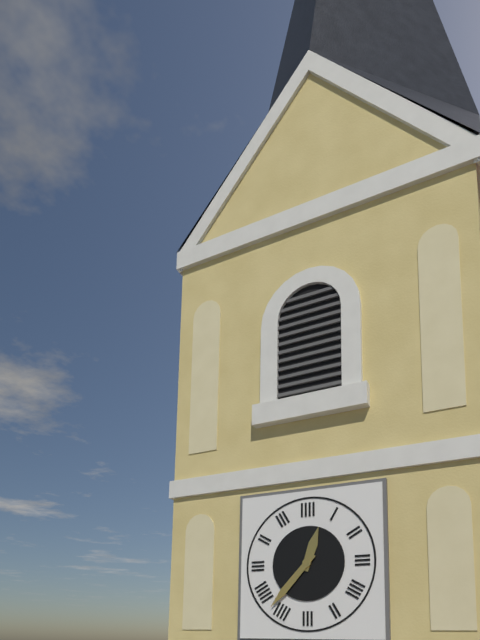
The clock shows **12:37**
